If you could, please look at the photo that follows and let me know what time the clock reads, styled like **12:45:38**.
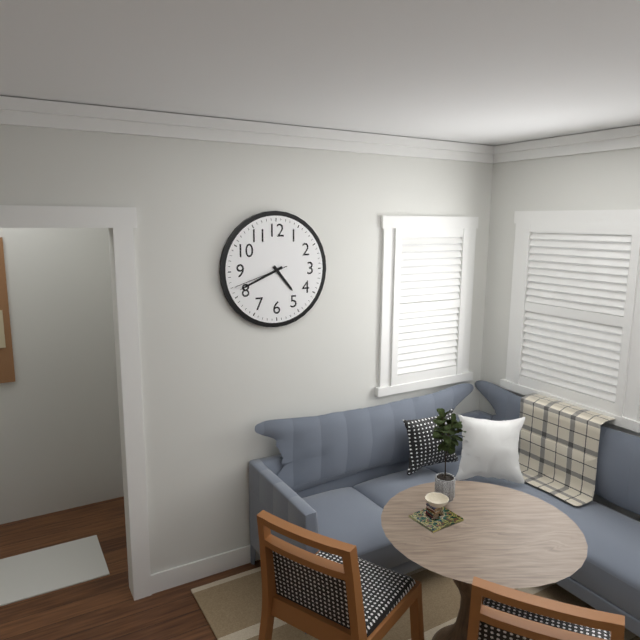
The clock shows **4:41:42**
